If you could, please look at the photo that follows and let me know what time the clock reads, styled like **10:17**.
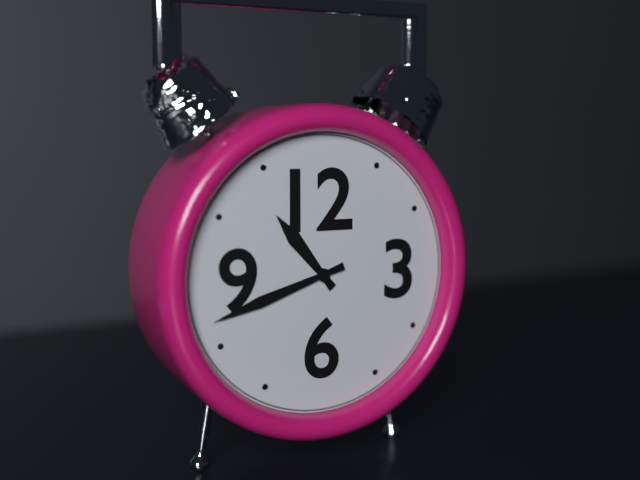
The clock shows **10:42**
